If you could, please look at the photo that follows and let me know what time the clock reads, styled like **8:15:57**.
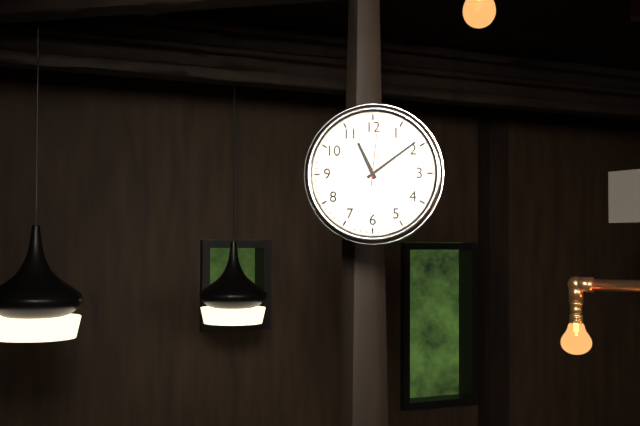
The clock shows **11:09:01**
